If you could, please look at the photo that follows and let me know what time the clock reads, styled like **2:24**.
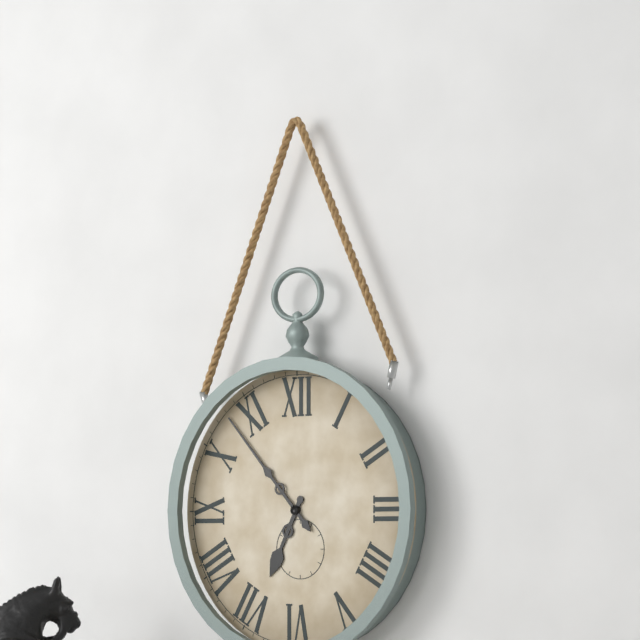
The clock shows **6:53**
